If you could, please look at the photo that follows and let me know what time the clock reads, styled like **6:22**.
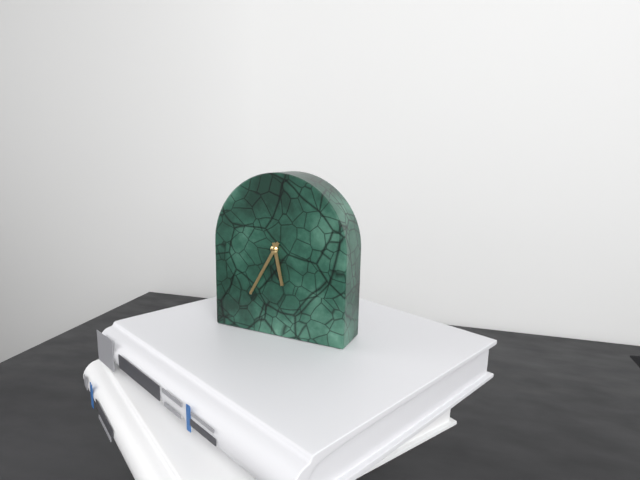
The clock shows **5:35**
